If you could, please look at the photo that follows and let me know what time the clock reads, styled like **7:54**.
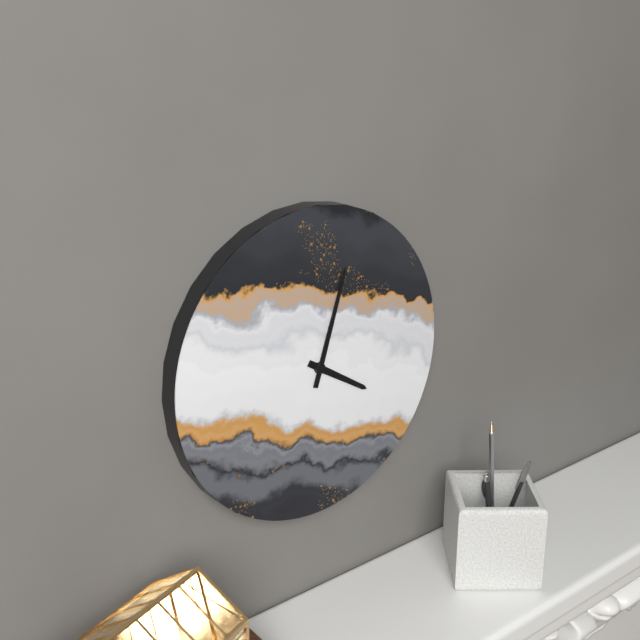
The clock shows **4:03**
